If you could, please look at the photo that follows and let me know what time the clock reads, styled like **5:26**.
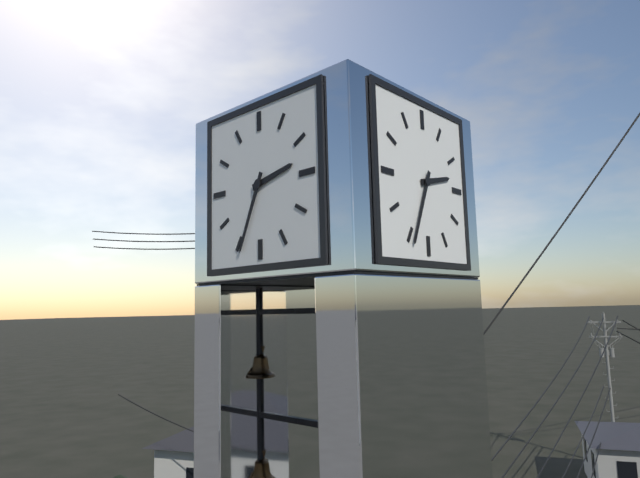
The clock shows **2:34**
